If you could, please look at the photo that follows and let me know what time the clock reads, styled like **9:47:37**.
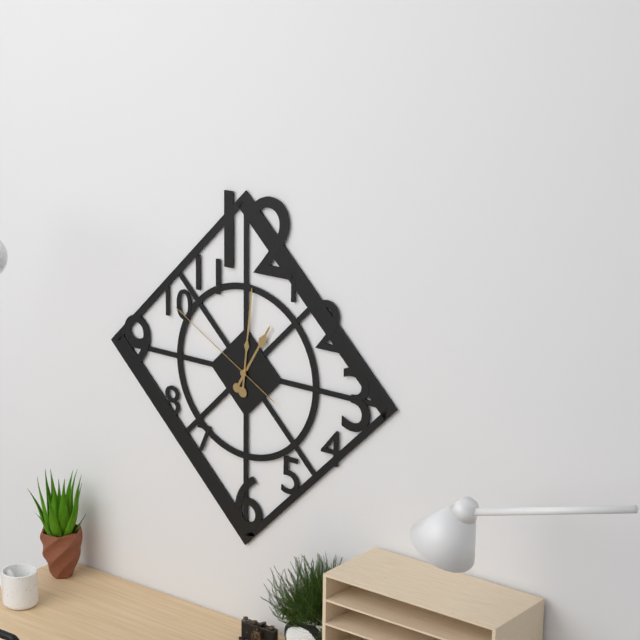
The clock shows **1:01:50**
